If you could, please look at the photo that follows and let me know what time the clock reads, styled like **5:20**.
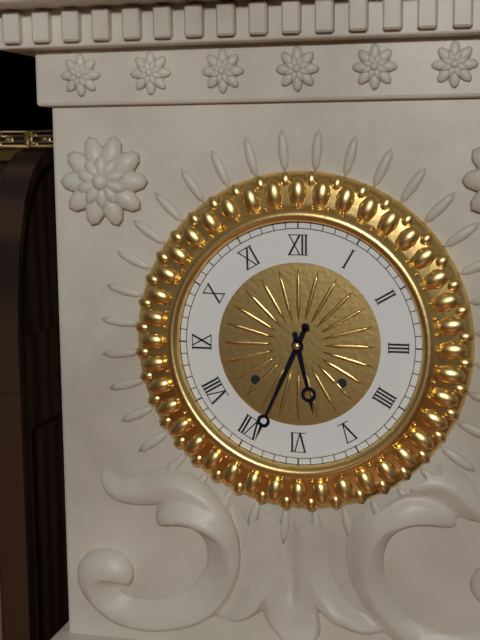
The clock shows **5:34**
